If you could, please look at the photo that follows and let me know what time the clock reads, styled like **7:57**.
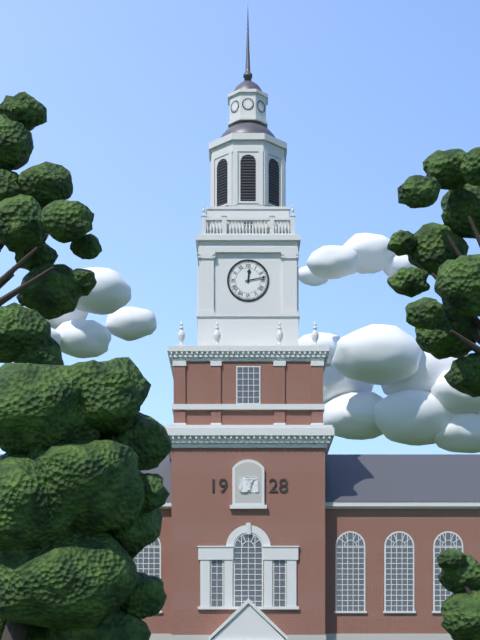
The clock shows **12:13**
